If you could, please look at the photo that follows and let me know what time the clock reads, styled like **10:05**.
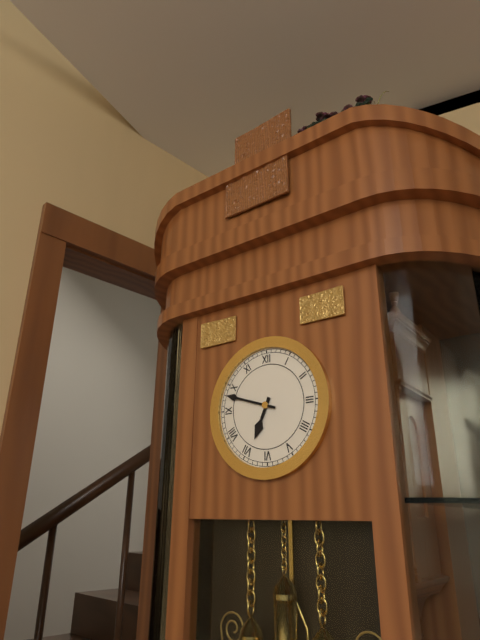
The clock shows **6:48**
